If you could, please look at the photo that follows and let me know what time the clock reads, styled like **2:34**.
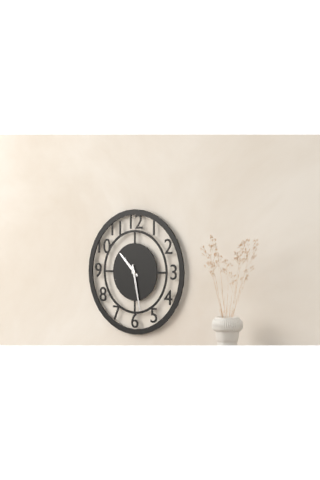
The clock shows **10:28**
